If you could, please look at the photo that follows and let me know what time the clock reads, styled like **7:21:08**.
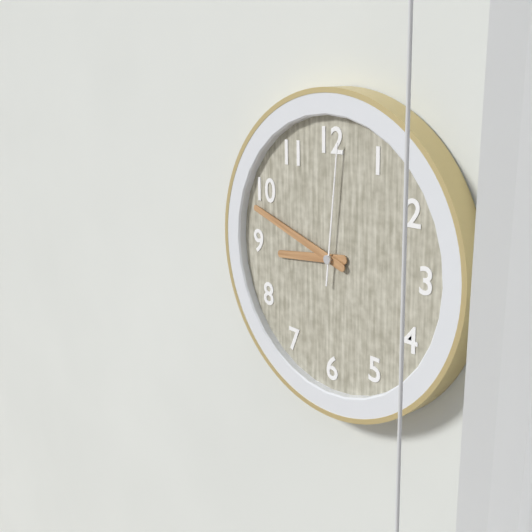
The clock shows **8:48:01**
